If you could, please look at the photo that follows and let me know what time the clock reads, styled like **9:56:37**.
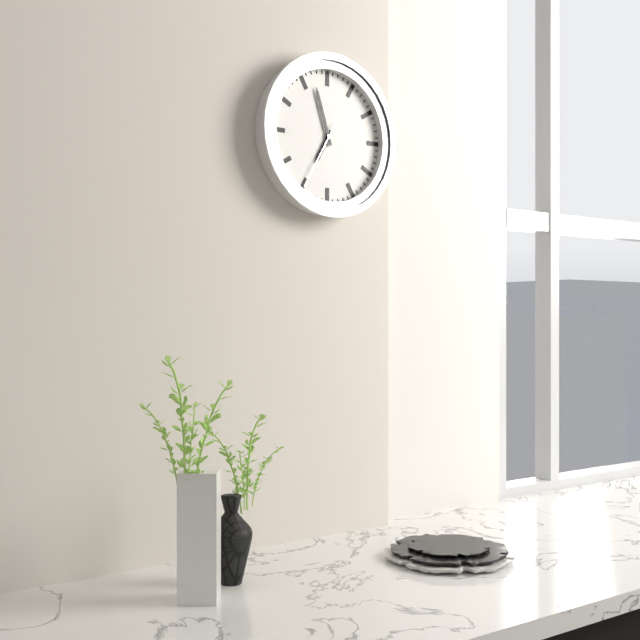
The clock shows **6:57:35**
